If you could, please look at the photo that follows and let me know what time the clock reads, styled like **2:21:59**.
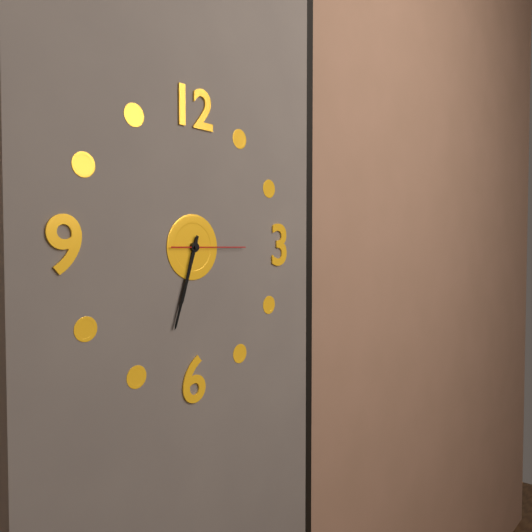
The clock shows **6:33:15**
